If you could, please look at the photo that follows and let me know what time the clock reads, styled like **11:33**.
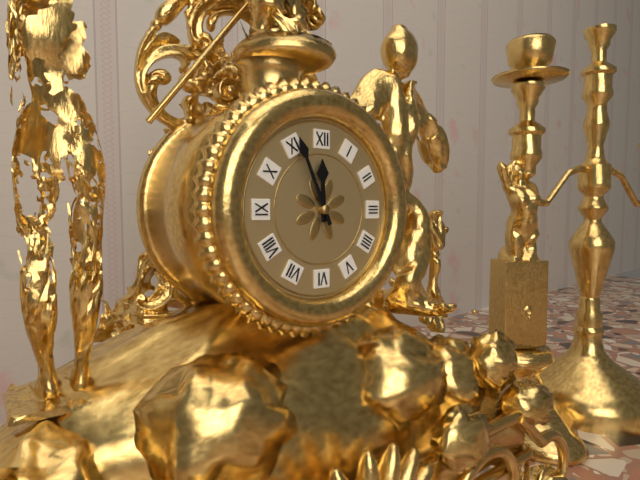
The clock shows **11:56**
